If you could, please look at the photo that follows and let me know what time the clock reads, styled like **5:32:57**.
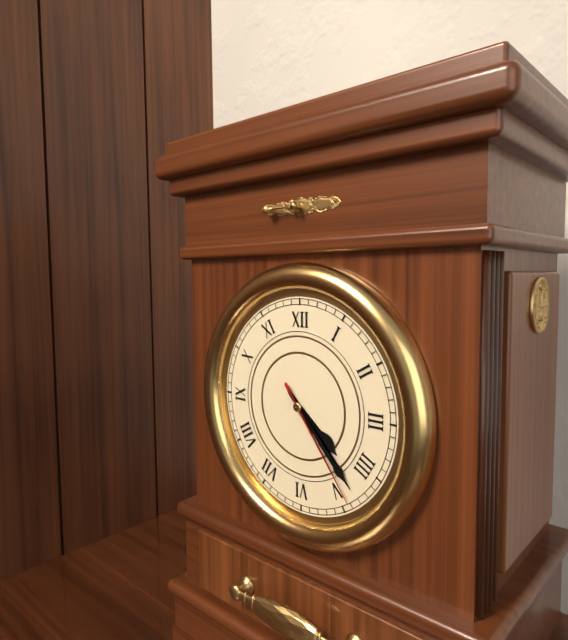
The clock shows **4:23:24**
